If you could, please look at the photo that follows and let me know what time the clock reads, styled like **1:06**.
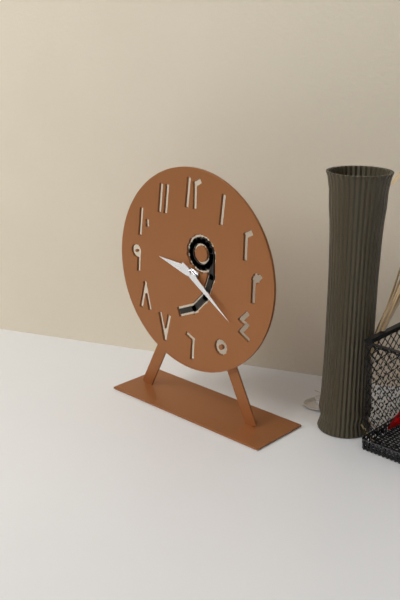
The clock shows **9:21**
